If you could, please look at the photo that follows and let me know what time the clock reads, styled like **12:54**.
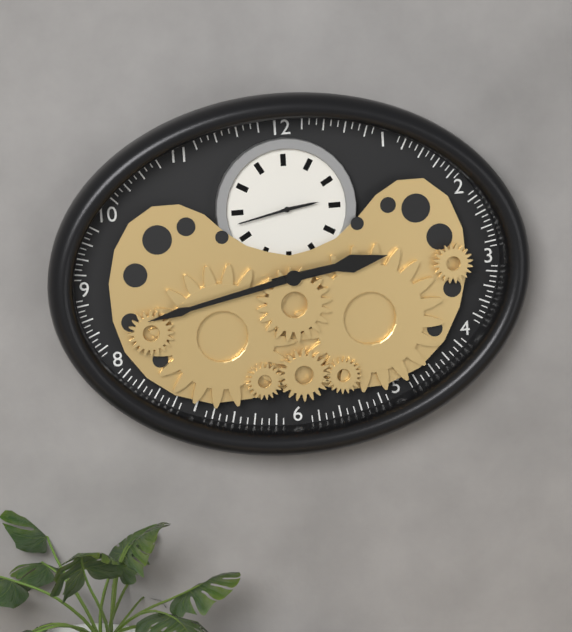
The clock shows **2:43**
